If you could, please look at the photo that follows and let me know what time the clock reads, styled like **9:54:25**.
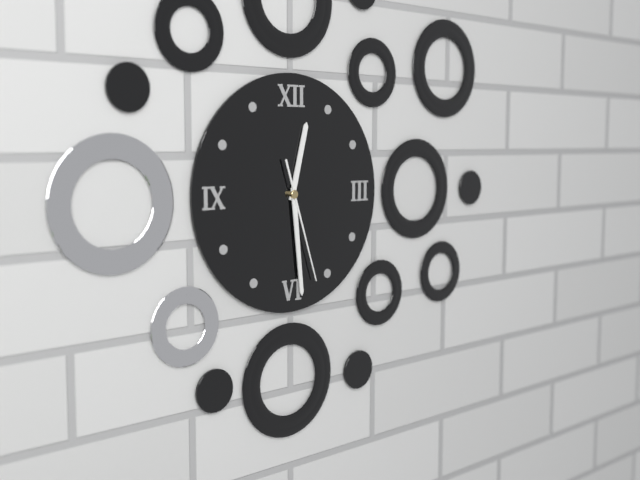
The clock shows **12:29:27**
